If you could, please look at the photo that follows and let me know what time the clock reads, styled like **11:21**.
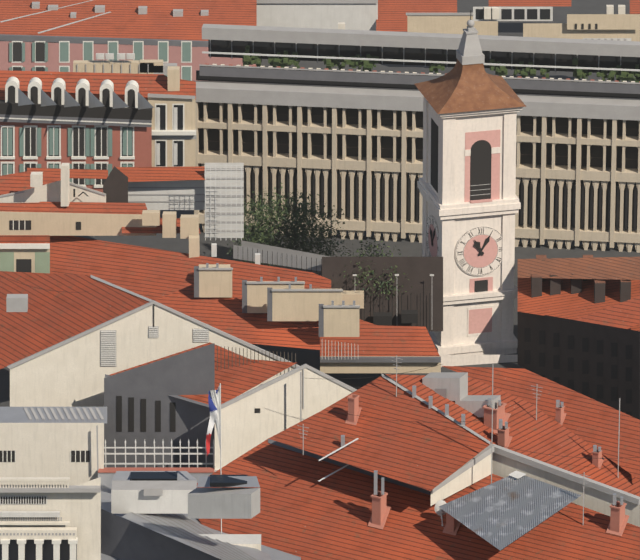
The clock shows **11:05**
